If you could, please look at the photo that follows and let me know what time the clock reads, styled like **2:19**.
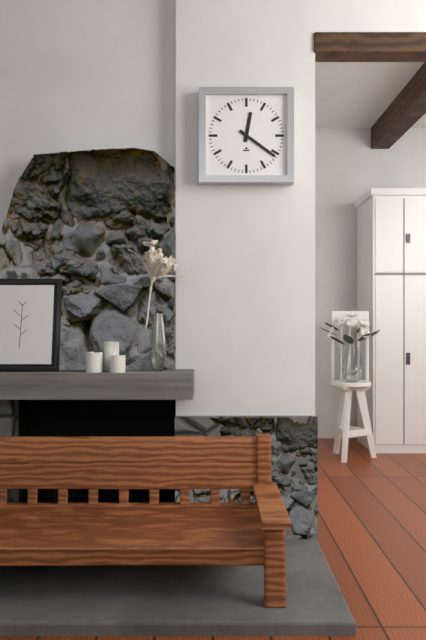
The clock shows **12:21**
